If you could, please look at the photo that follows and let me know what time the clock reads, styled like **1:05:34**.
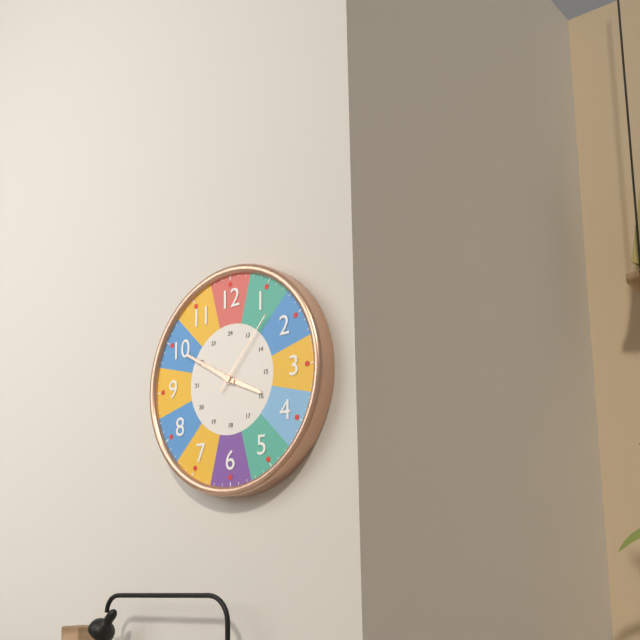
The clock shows **3:50:07**
